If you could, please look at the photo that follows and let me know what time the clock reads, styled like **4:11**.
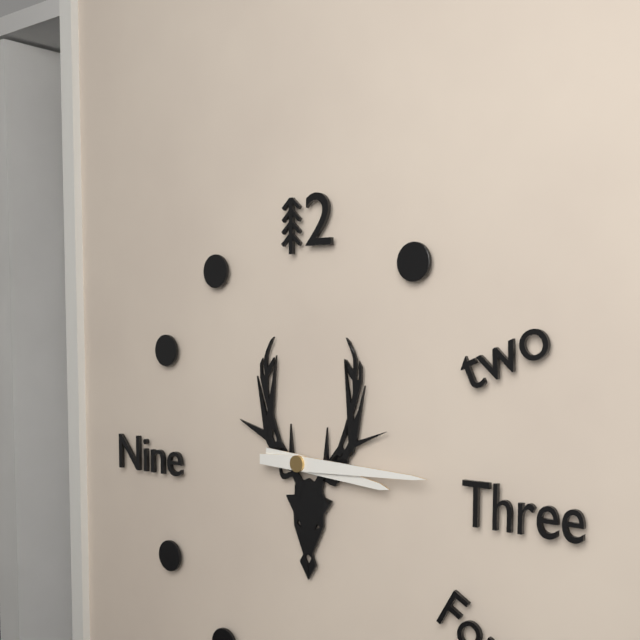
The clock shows **3:15**
